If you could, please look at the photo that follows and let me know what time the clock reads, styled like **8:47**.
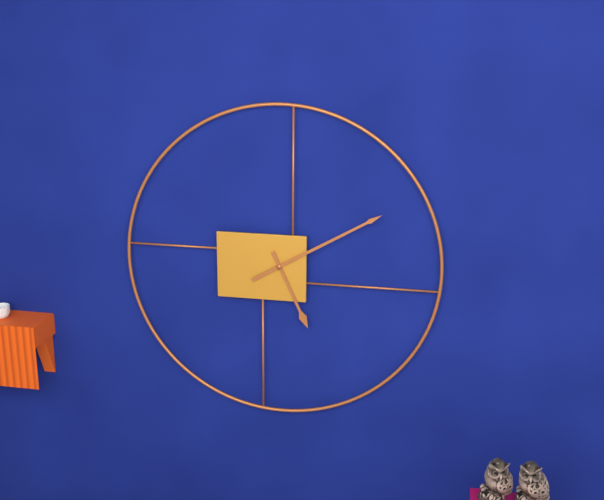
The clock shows **5:10**
